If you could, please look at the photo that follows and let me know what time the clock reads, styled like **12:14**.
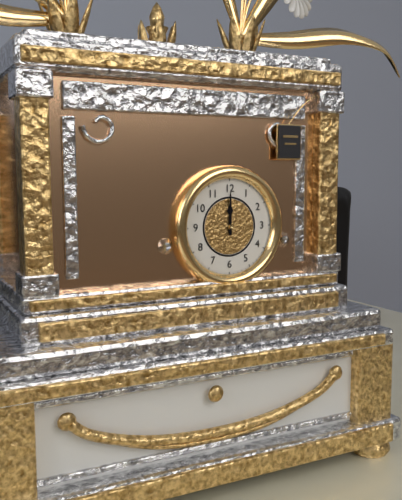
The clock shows **12:00**
